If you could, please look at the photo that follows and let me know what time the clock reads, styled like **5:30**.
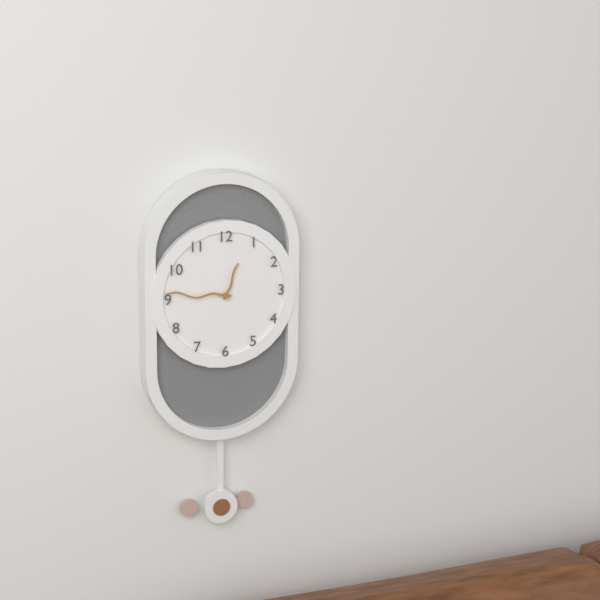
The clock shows **12:46**
